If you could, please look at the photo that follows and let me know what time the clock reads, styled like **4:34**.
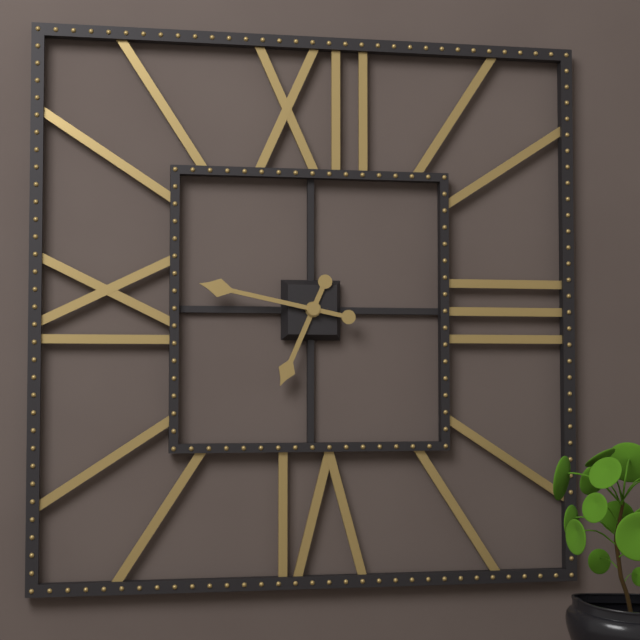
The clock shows **6:47**
